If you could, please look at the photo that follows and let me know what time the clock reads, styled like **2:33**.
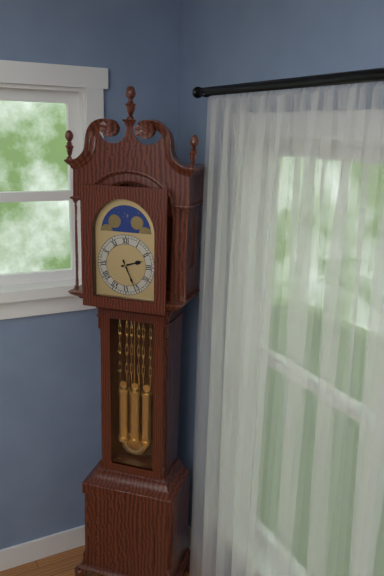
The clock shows **2:26**
